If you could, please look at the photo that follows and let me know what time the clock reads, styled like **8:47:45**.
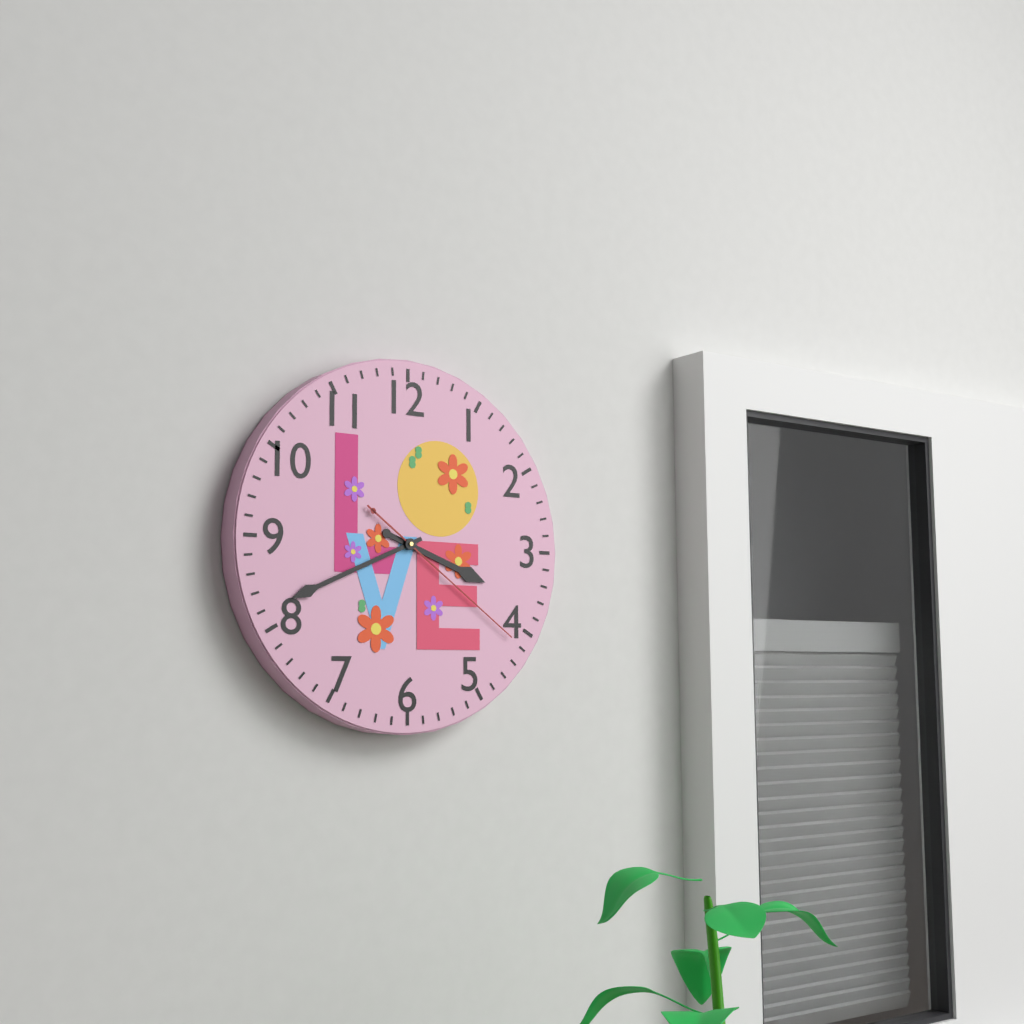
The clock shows **3:41:21**
